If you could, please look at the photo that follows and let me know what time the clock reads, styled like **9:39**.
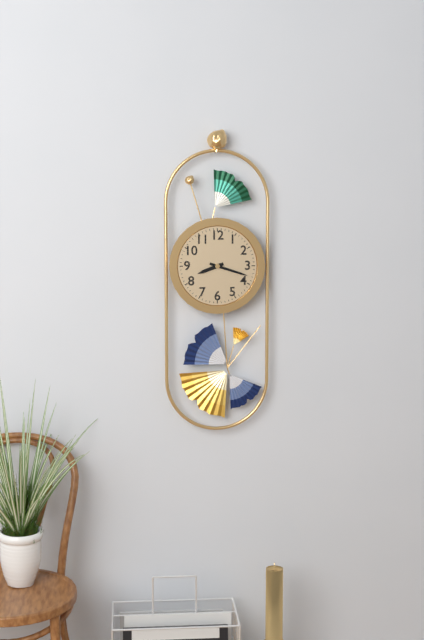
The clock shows **8:18**
